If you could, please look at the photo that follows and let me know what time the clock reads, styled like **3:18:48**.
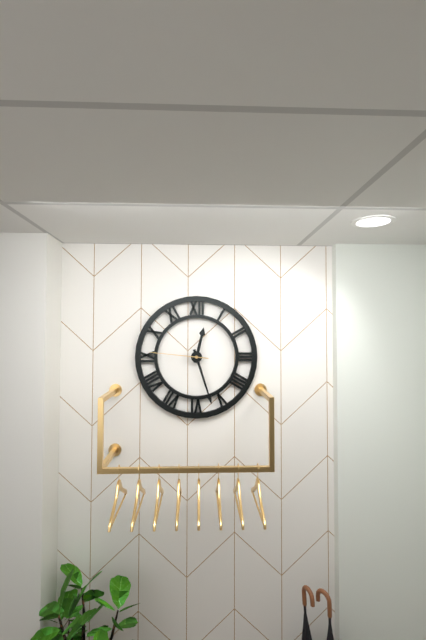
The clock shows **12:27:46**
